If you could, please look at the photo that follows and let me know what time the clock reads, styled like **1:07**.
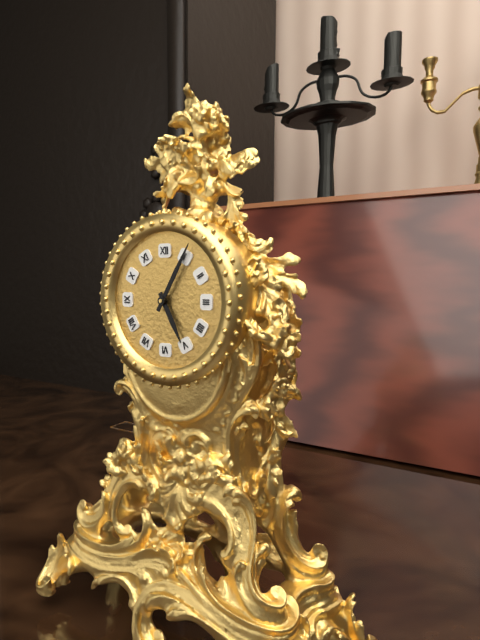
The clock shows **5:05**
